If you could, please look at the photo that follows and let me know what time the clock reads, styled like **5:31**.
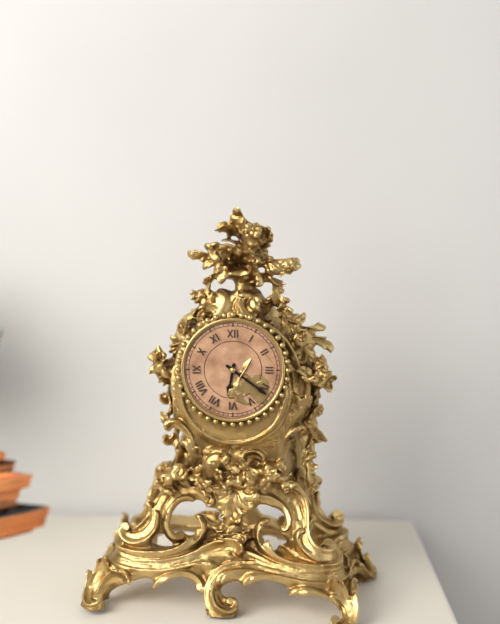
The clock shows **6:21**
